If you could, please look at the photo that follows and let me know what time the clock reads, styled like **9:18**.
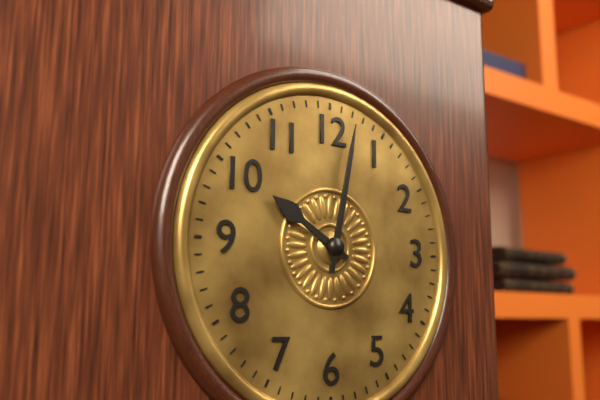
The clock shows **10:02**
